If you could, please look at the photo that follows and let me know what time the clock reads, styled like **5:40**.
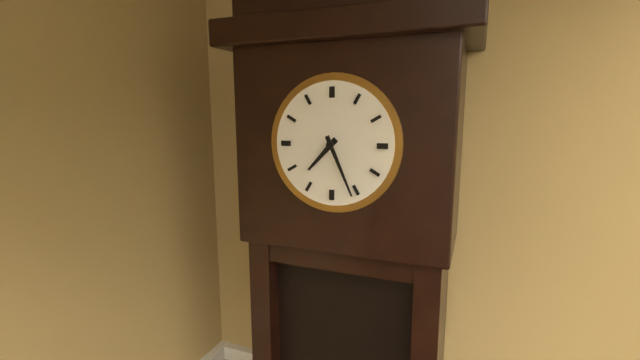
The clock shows **7:26**
